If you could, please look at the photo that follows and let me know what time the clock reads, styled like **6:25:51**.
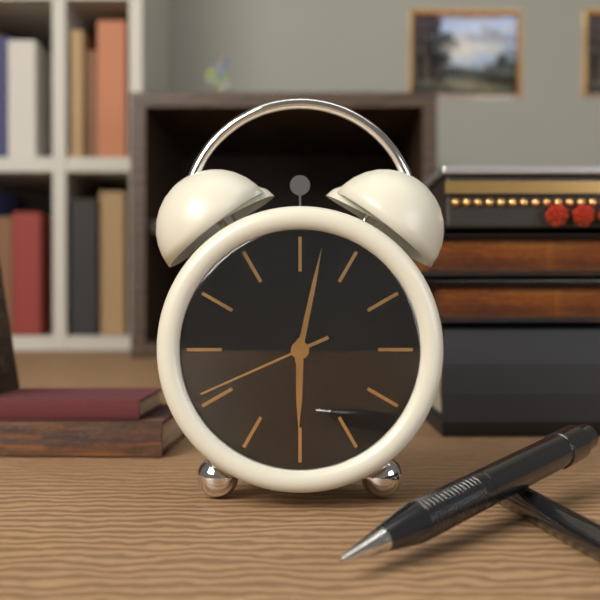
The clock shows **6:02:41**
